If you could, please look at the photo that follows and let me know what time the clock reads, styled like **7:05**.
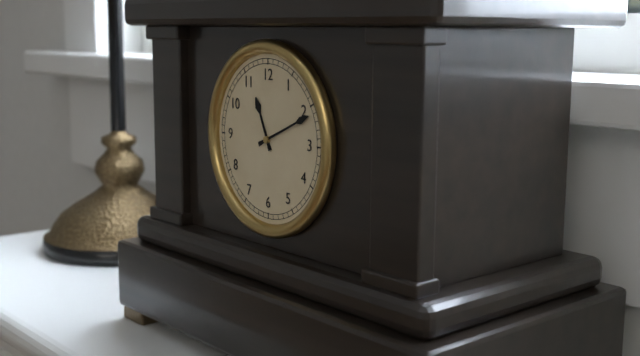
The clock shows **11:11**
